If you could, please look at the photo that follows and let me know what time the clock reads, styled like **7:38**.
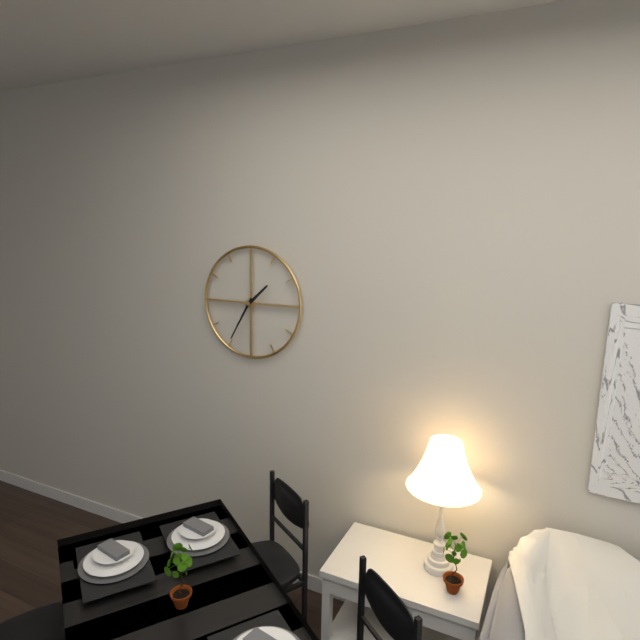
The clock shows **1:35**
